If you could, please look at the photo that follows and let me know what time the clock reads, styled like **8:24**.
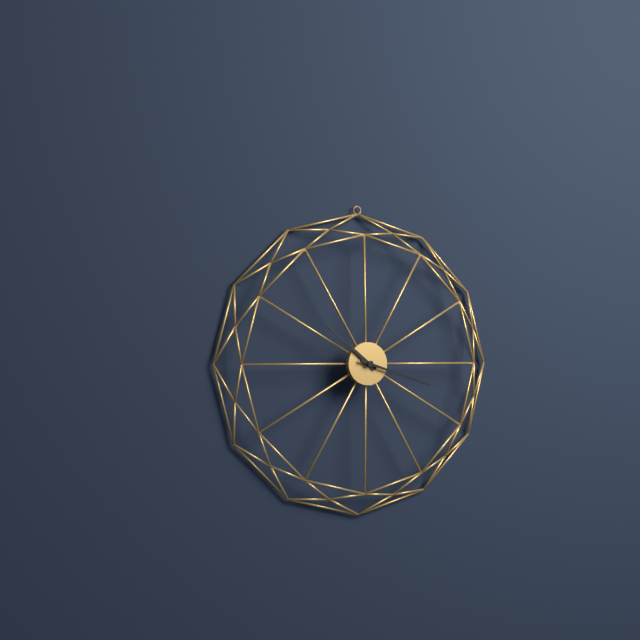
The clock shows **10:18**
